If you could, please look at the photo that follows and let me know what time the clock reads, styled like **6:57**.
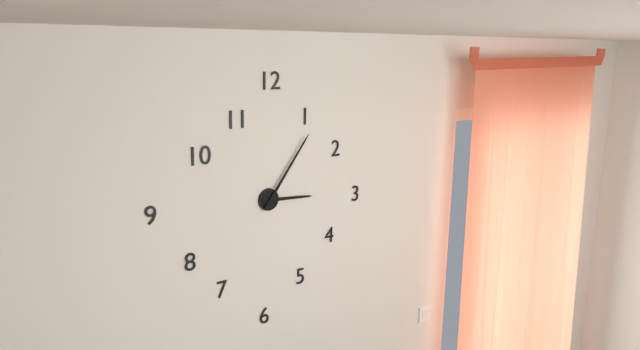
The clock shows **3:06**
